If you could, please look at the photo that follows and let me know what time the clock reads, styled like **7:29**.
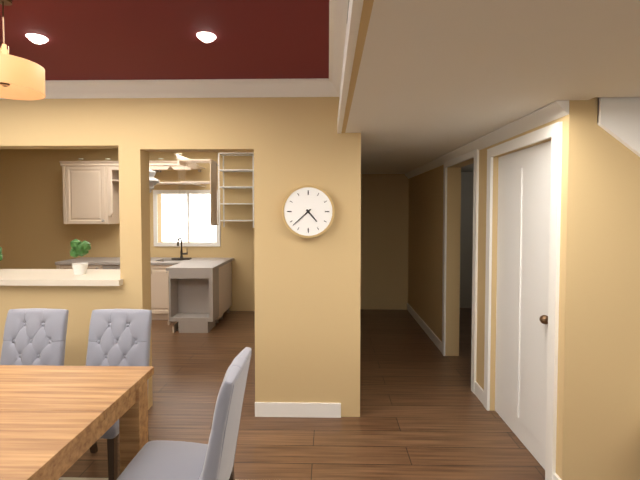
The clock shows **4:38**
